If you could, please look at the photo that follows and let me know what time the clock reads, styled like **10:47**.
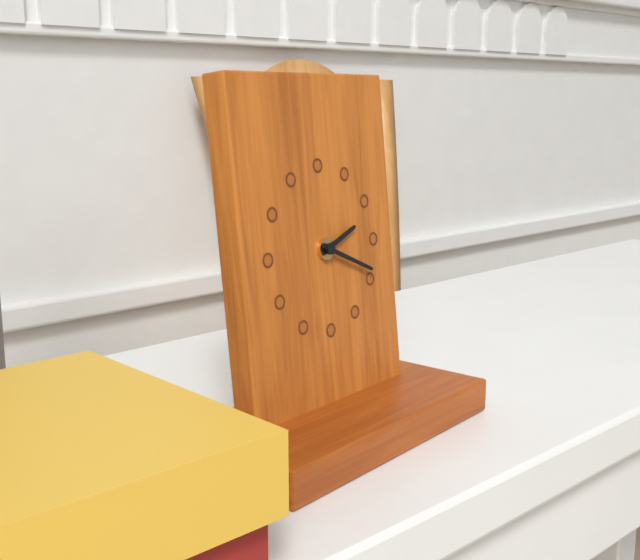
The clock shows **2:19**
